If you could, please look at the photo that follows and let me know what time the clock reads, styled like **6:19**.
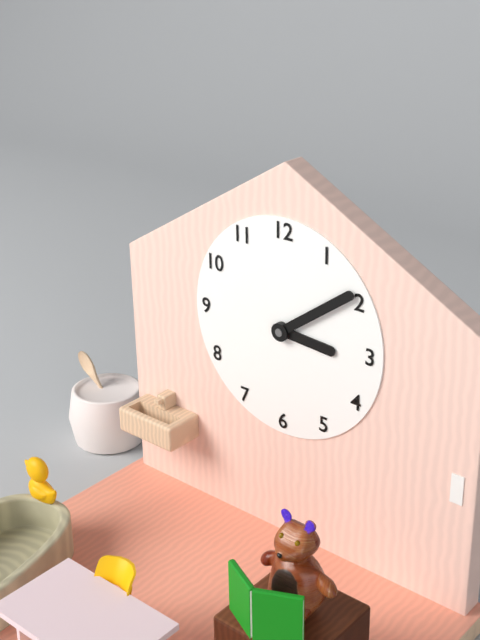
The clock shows **3:09**
